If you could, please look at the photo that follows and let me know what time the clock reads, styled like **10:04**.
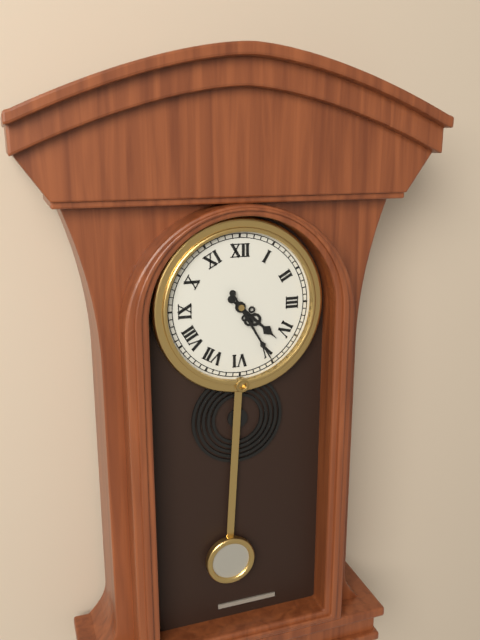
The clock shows **4:25**
